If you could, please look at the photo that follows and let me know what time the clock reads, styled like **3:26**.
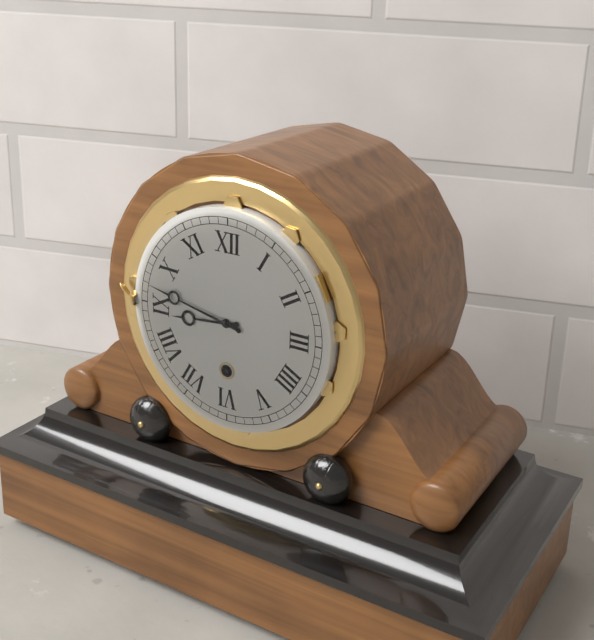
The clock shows **8:47**
